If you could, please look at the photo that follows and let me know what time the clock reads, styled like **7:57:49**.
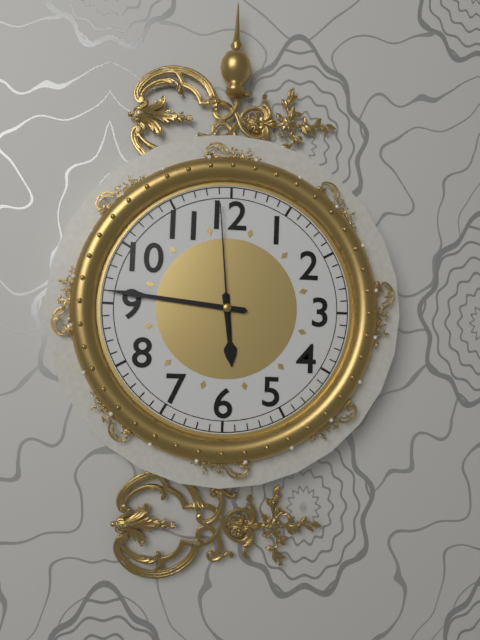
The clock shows **5:46:59**
